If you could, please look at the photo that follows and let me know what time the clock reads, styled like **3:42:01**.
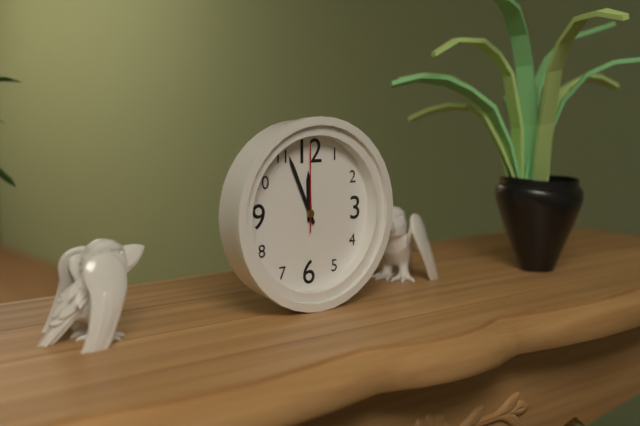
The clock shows **11:56:00**
